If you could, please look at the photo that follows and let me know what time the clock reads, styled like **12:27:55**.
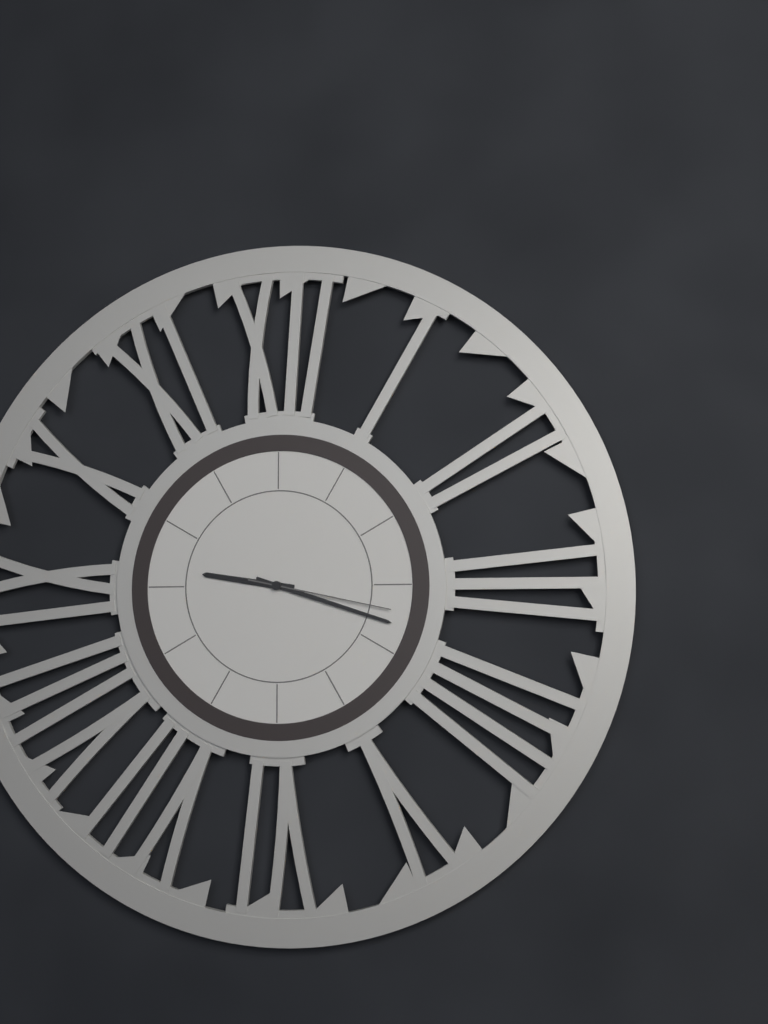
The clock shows **9:18:17**
